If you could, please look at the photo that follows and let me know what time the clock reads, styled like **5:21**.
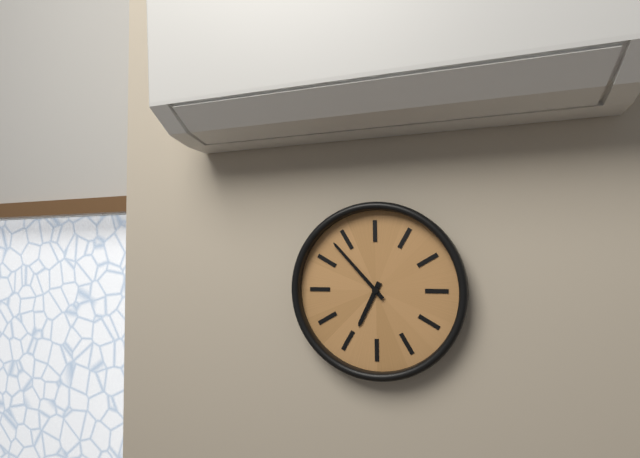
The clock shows **6:53**
